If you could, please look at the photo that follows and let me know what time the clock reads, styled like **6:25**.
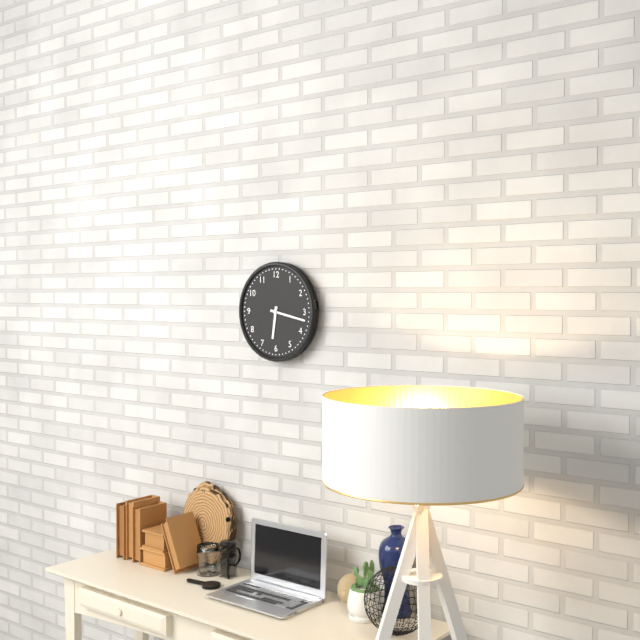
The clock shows **6:17**
